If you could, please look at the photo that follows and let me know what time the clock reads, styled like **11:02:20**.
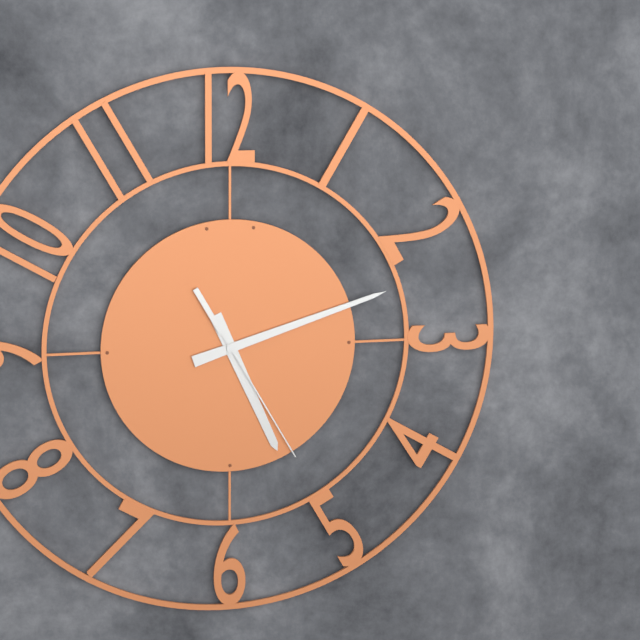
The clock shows **5:12:25**
